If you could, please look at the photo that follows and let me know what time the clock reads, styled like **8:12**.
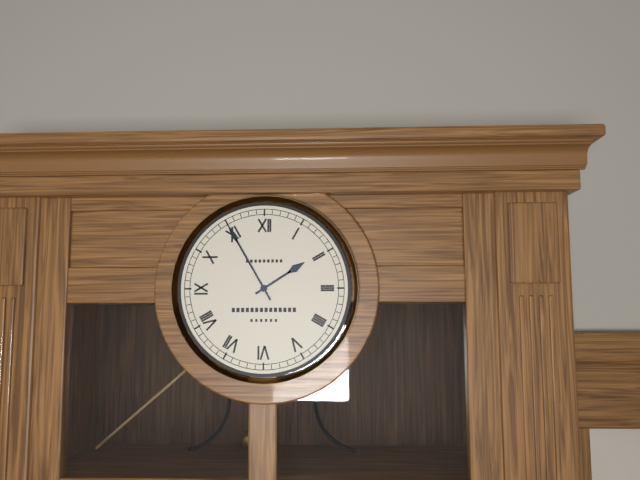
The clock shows **1:55**
